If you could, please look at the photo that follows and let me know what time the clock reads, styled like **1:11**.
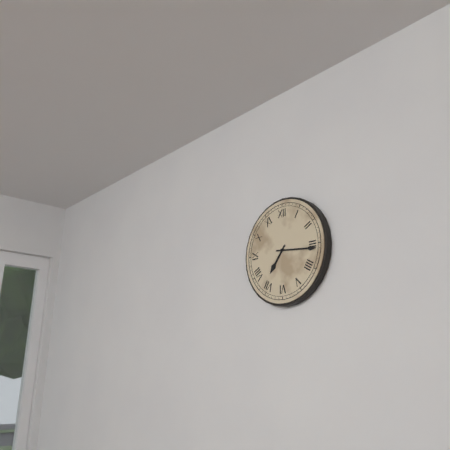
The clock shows **7:16**
